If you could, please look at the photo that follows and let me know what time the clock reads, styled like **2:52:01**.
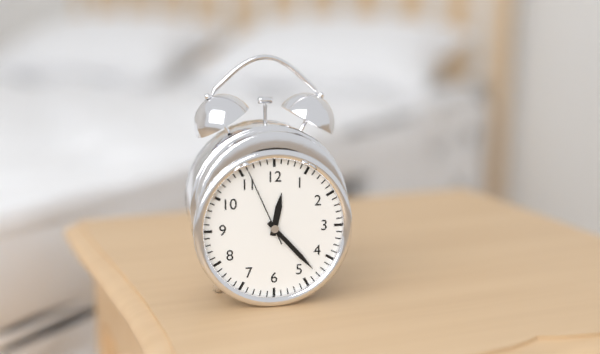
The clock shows **12:23:56**
